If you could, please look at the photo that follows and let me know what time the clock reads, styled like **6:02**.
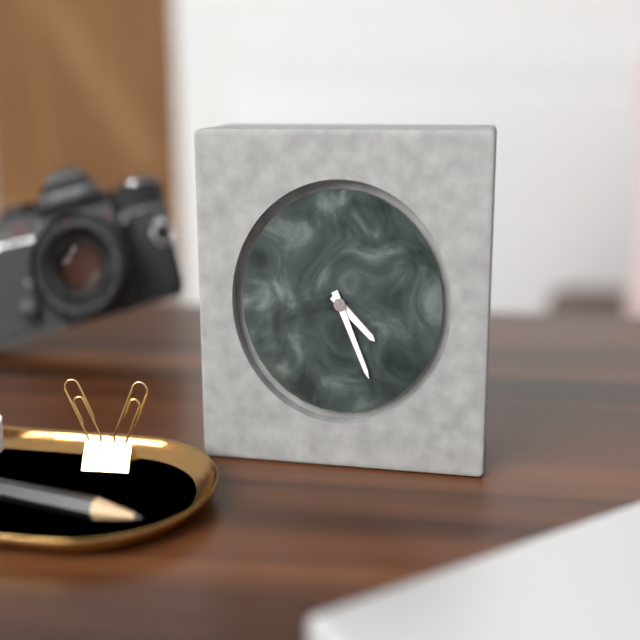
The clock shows **4:26**
